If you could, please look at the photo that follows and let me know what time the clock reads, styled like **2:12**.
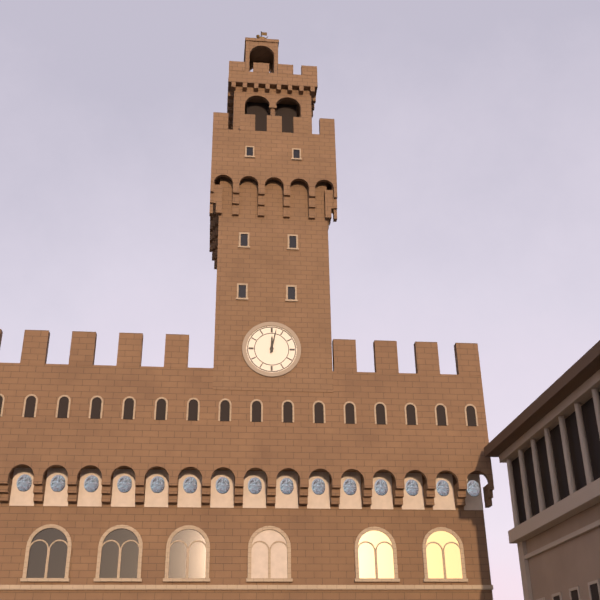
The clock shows **12:02**
